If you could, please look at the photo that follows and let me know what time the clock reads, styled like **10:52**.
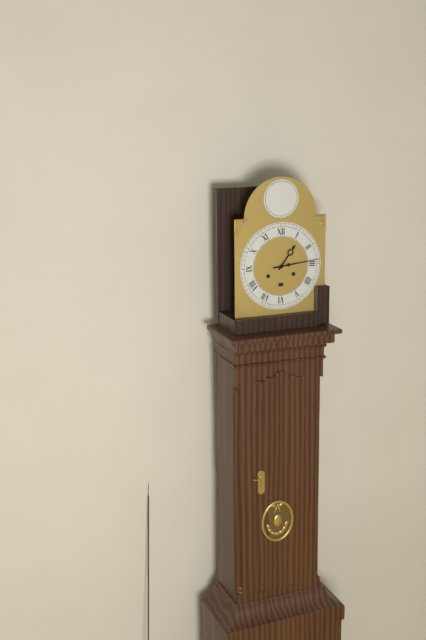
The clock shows **1:14**
